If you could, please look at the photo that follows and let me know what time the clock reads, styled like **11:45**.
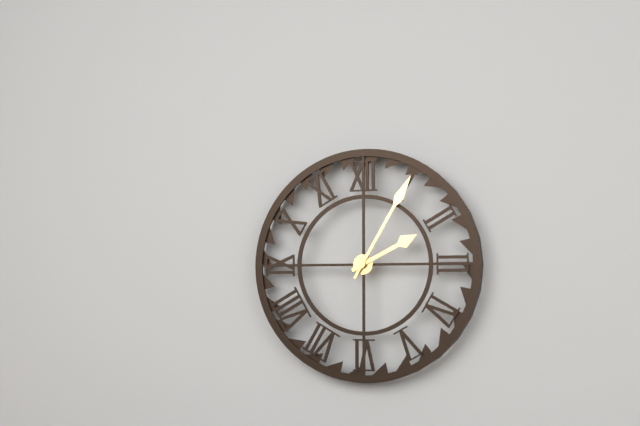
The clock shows **2:05**
